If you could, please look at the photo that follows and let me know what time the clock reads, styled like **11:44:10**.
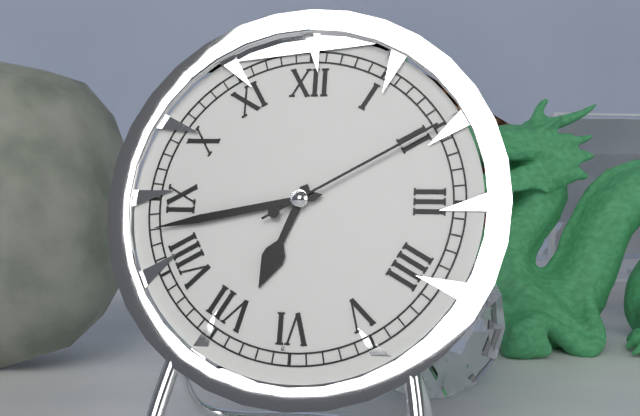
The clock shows **6:43:10**
